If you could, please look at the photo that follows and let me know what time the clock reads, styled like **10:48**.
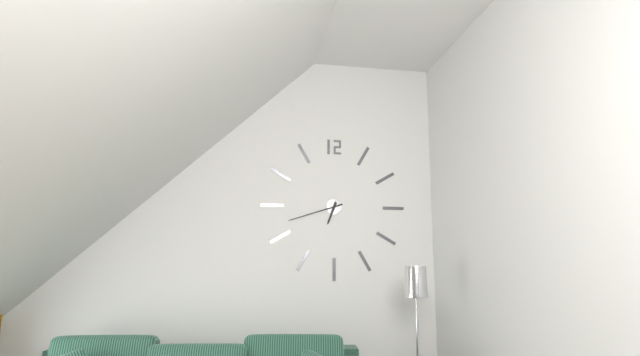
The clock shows **6:42**
